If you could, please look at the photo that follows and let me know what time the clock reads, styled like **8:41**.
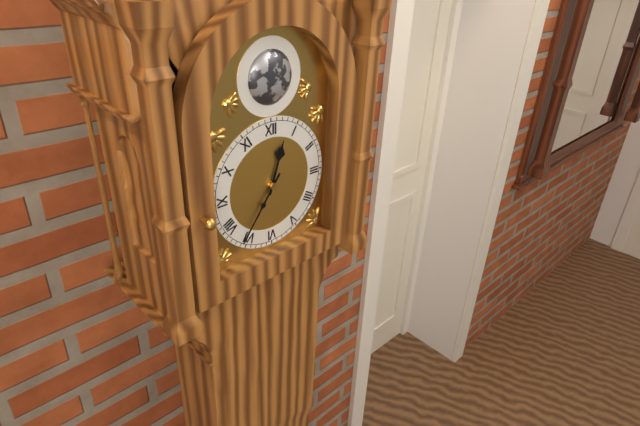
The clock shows **12:36**
